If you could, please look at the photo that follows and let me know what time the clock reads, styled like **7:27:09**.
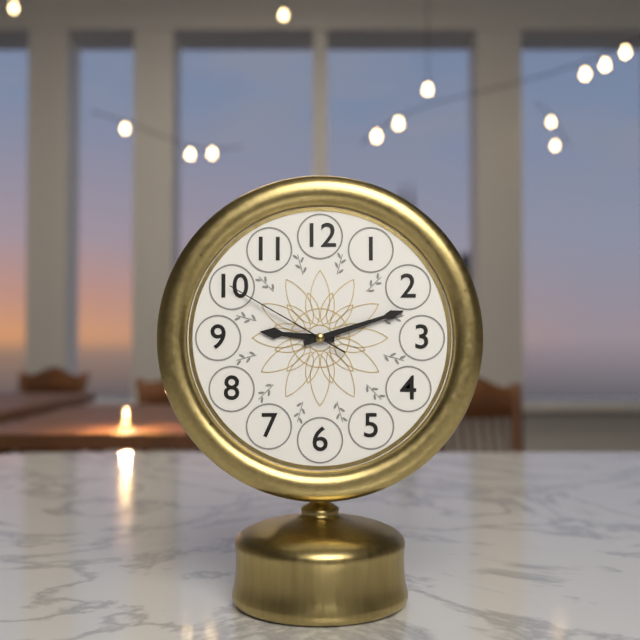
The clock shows **9:12:50**
